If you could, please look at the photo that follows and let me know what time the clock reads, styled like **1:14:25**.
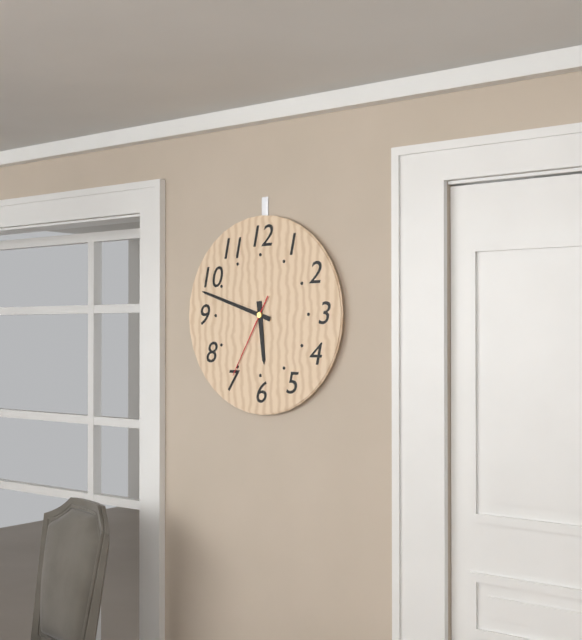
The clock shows **5:48:35**
